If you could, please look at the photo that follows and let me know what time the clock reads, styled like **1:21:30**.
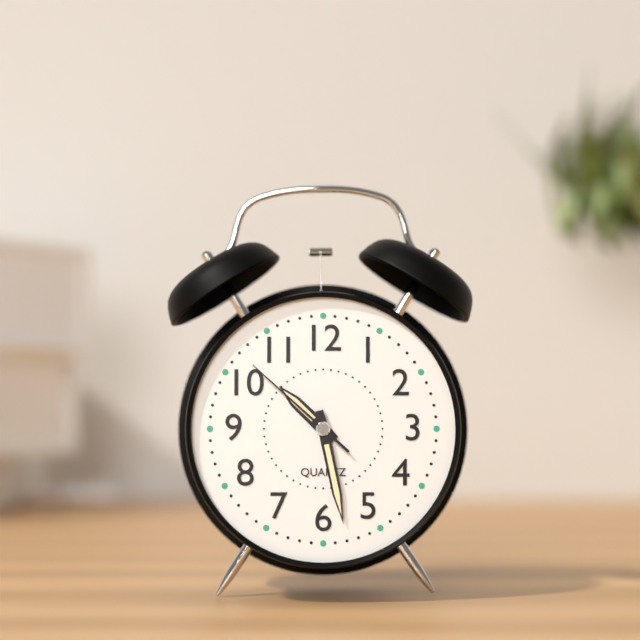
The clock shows **10:28:52**
